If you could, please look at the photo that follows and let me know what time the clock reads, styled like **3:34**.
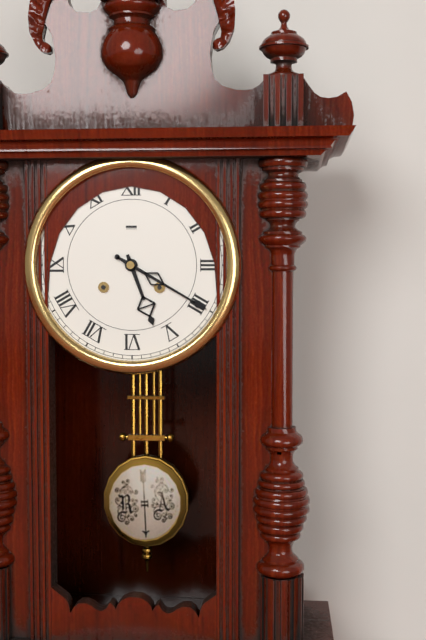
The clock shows **5:20**
